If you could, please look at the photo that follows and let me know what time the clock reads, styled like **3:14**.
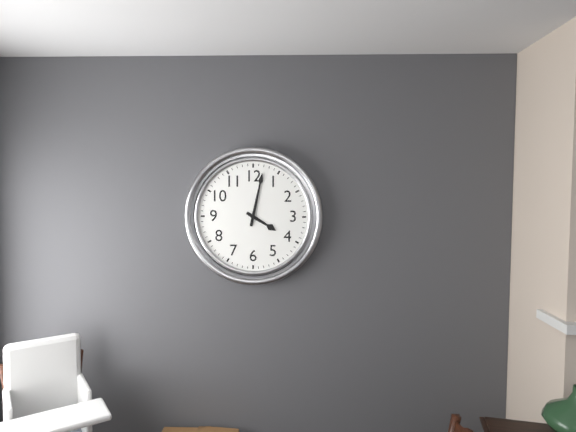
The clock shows **4:02**
